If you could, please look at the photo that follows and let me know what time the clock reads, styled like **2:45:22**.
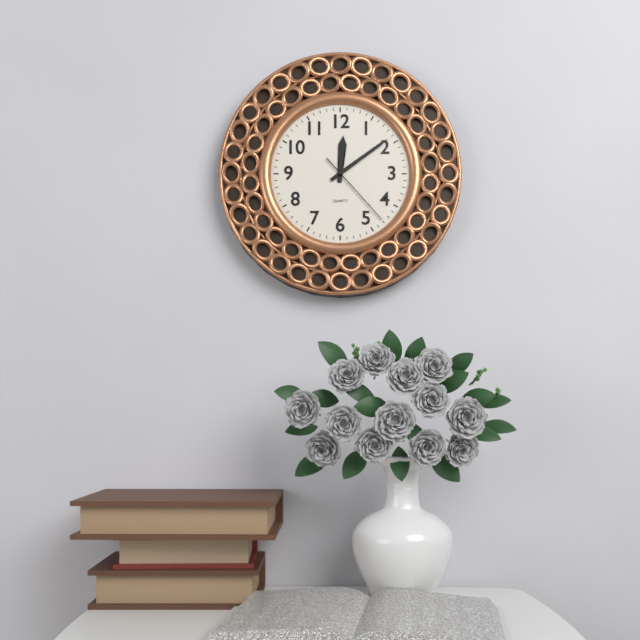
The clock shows **12:09:23**
